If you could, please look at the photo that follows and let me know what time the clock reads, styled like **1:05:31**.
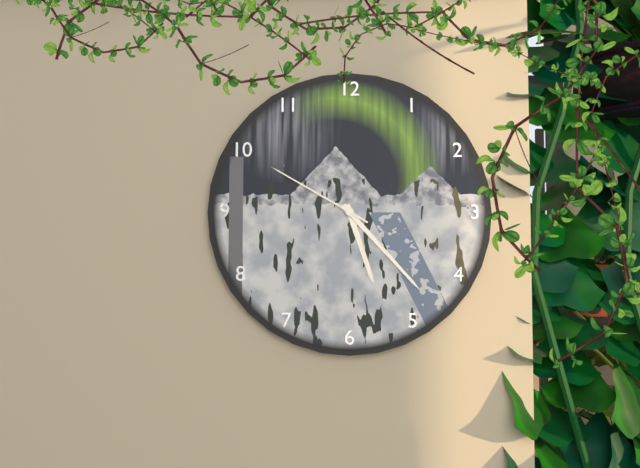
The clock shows **5:23:50**
